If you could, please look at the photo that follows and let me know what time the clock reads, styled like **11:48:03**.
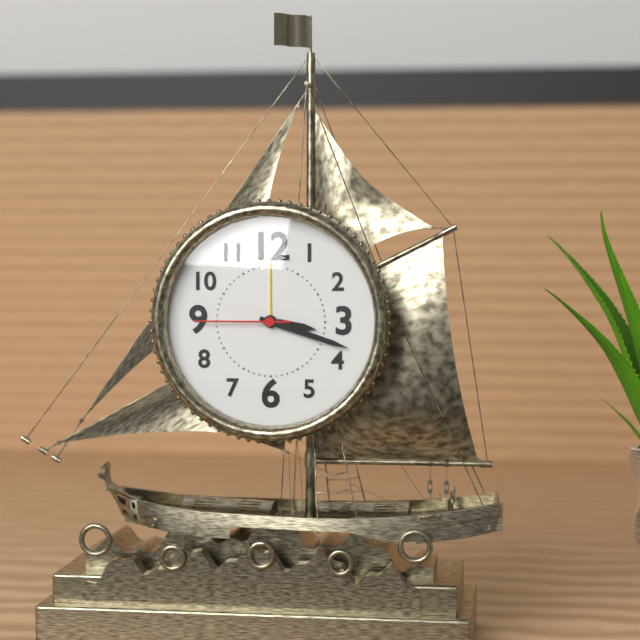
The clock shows **3:18:45**
